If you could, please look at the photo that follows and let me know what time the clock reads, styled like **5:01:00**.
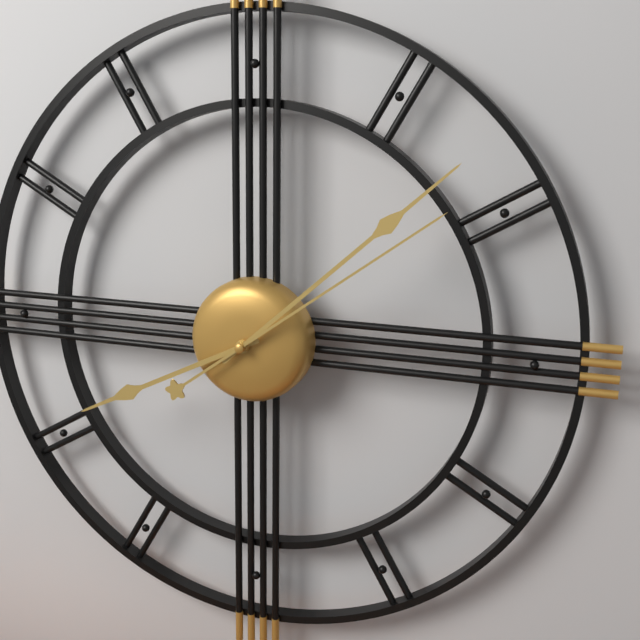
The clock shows **8:08:09**
